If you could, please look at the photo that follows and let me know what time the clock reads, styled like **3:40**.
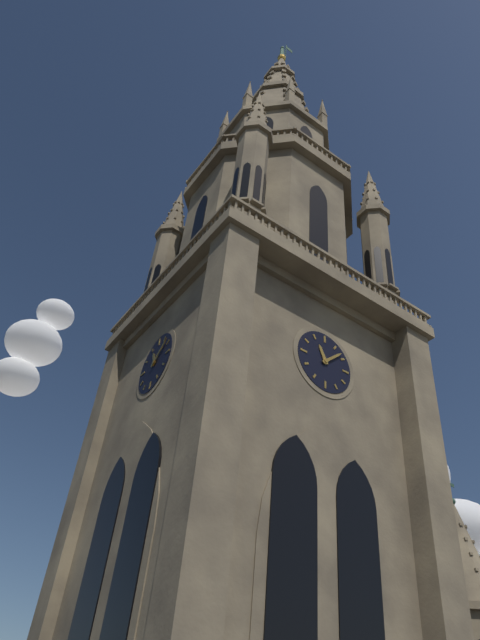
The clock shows **11:08**
